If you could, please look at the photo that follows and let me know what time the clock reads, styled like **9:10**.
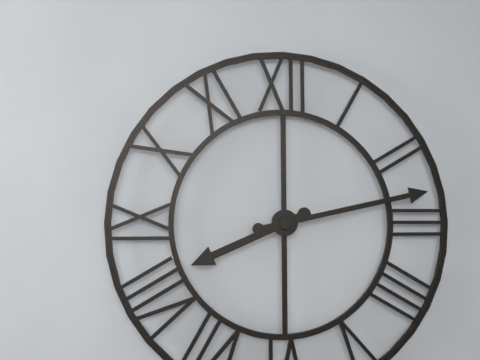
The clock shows **8:13**
